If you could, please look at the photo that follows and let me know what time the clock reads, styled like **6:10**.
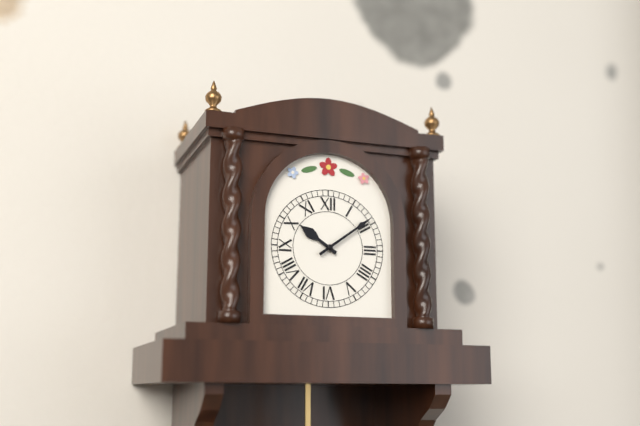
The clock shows **10:09**
